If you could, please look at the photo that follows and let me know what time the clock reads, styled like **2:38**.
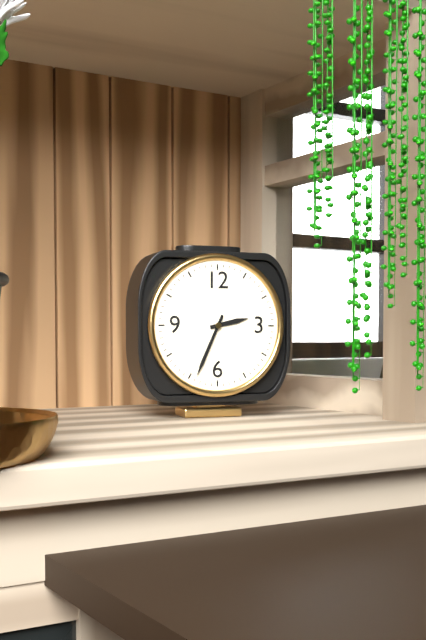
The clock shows **2:34**
